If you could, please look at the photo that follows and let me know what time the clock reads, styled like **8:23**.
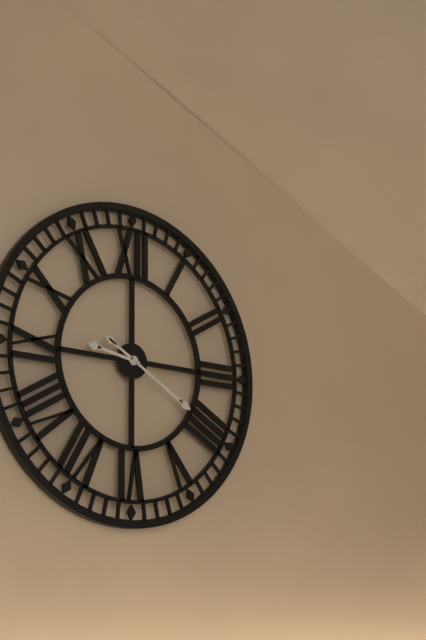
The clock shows **9:20**
